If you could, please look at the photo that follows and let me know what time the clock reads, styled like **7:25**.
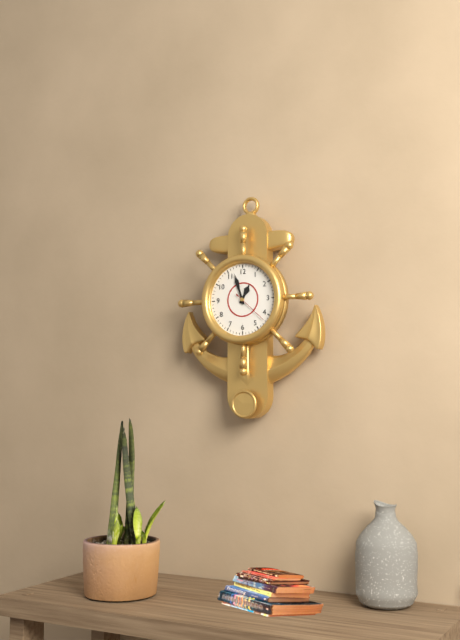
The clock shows **12:57**
